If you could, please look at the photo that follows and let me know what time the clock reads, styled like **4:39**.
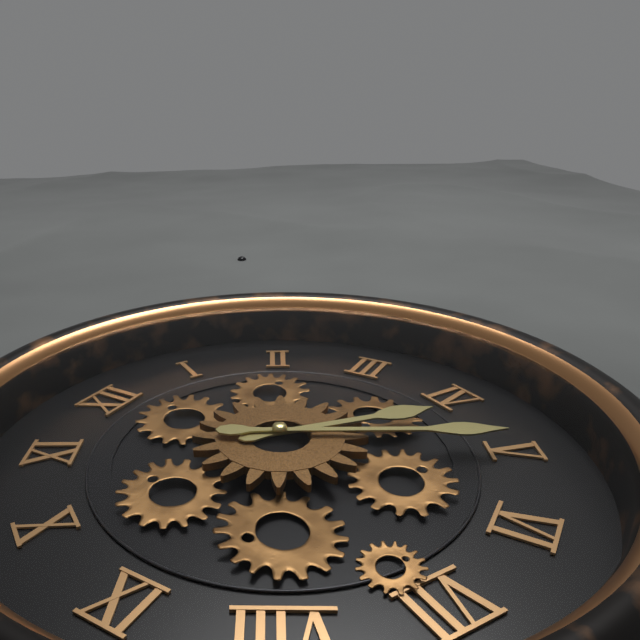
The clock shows **4:25**
